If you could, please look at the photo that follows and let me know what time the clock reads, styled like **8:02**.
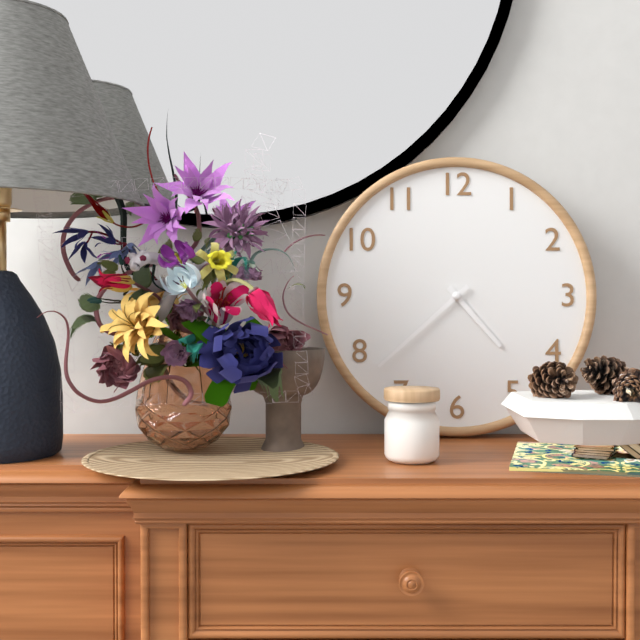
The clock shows **4:38**
